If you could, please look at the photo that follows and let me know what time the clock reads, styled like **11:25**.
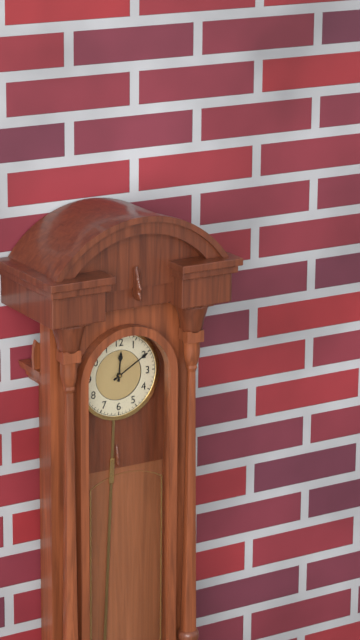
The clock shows **12:10**
